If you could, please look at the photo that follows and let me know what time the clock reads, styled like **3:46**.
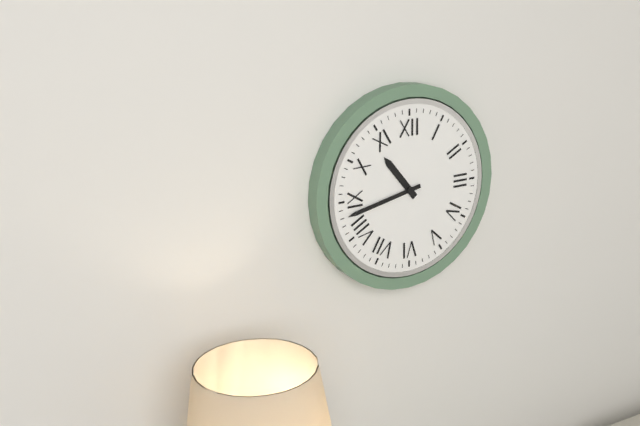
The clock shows **10:43**
